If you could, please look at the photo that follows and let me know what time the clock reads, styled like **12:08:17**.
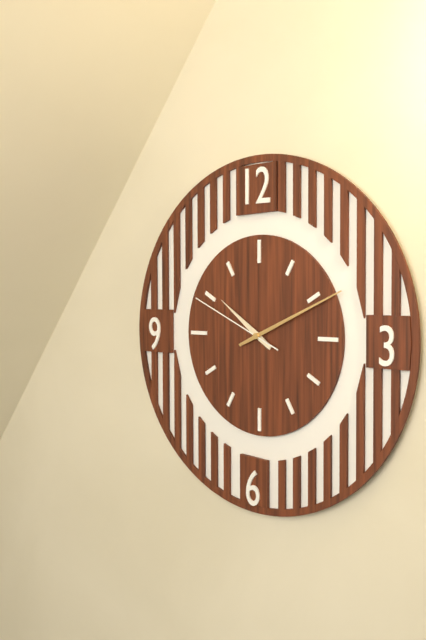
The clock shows **10:11:49**
